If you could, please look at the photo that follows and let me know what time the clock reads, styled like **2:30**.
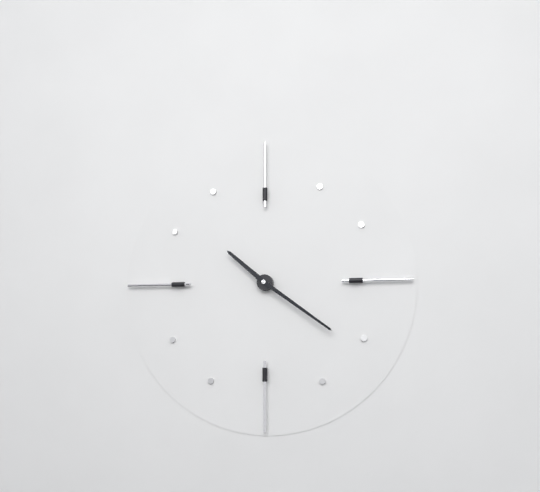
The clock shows **10:21**
